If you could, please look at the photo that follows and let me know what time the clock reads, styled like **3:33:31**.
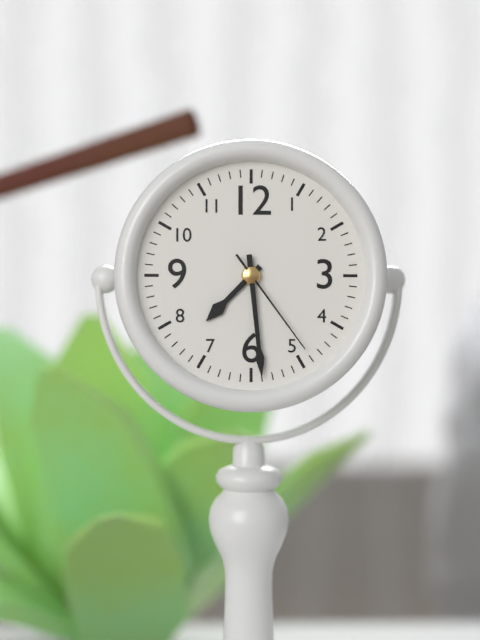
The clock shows **7:29:24**
